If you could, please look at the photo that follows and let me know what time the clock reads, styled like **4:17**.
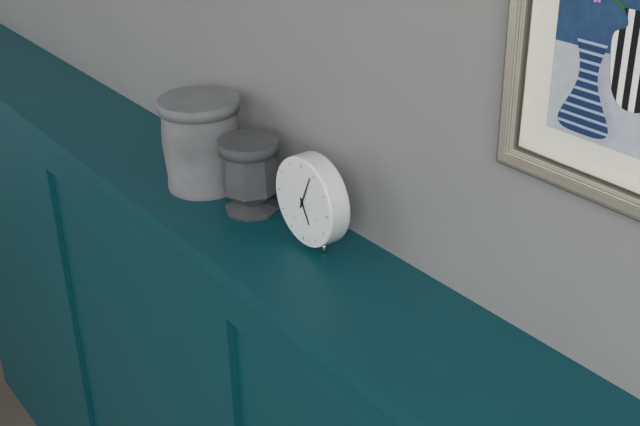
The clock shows **5:04**
